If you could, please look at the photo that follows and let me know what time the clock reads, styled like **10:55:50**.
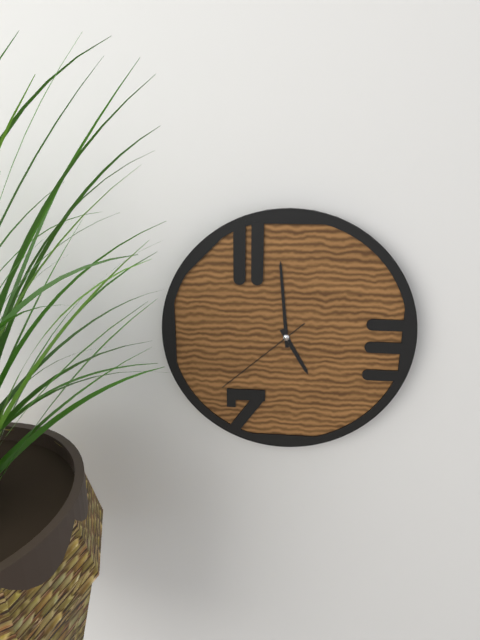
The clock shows **4:59:38**
